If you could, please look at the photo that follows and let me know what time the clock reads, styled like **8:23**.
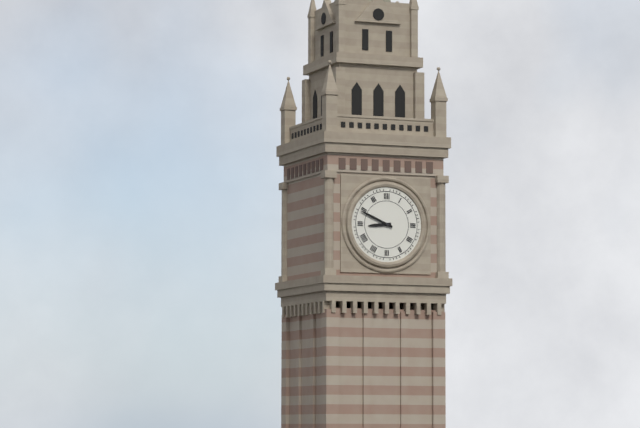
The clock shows **8:49**
